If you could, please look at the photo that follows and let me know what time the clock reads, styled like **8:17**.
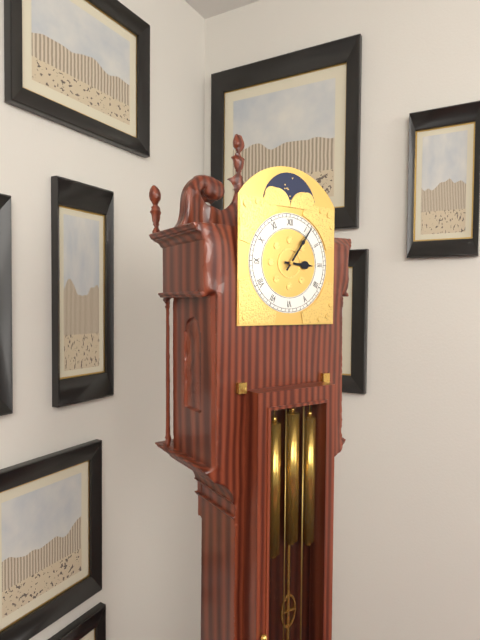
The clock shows **3:06**
